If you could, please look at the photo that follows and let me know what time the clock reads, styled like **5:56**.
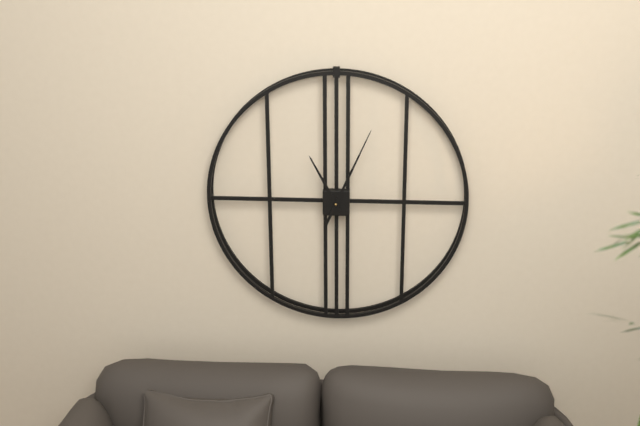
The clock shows **11:04**
